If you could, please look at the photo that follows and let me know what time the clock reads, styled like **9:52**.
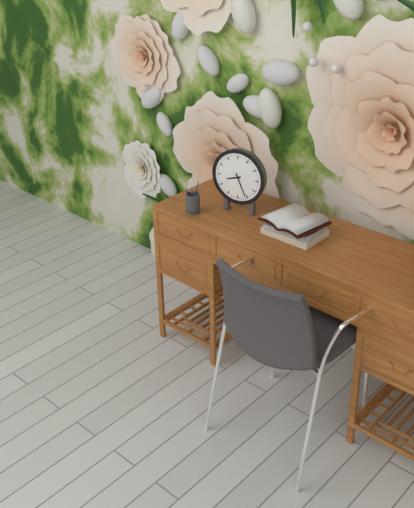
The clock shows **8:26**
